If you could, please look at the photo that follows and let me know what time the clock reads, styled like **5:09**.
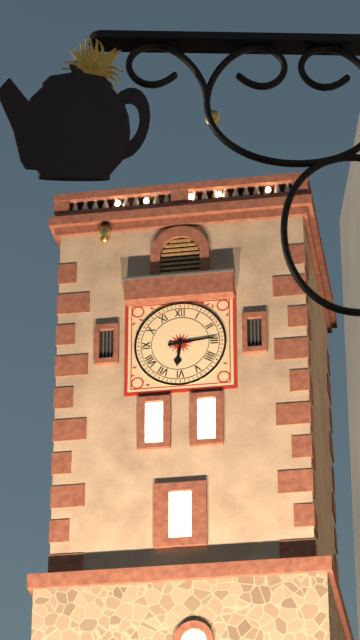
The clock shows **6:14**
